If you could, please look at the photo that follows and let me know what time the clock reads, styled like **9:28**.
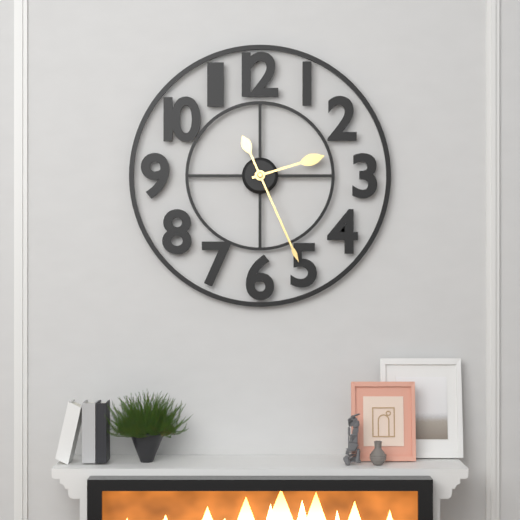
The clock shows **2:26**
